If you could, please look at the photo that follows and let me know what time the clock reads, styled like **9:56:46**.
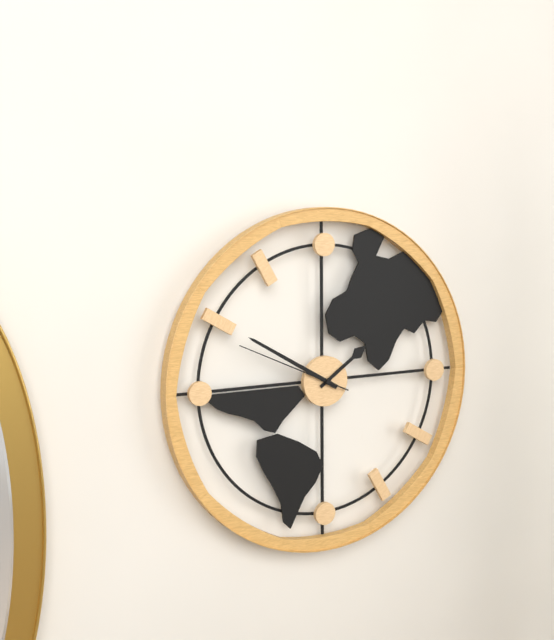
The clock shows **1:50:49**
